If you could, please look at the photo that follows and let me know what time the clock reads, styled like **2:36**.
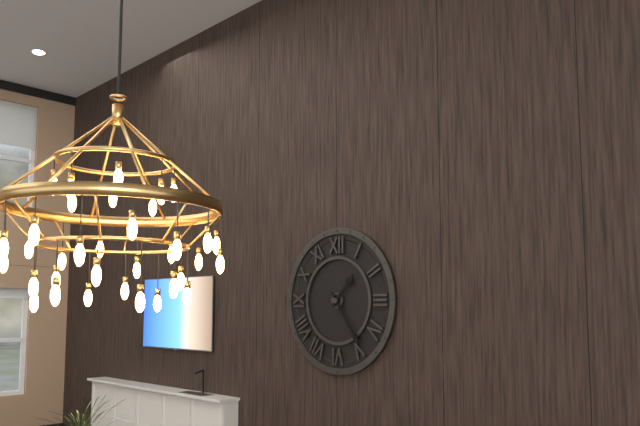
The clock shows **1:24**
